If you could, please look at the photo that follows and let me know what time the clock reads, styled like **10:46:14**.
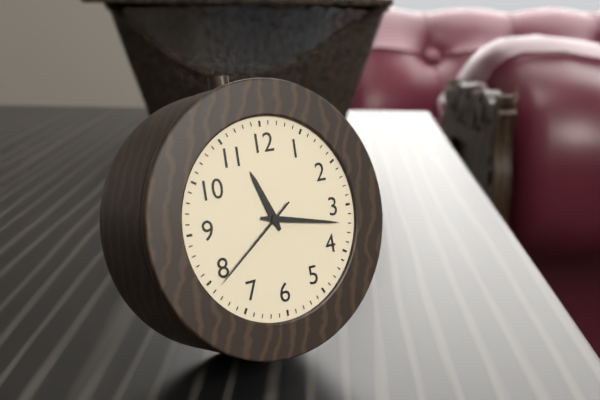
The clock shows **11:17:39**
